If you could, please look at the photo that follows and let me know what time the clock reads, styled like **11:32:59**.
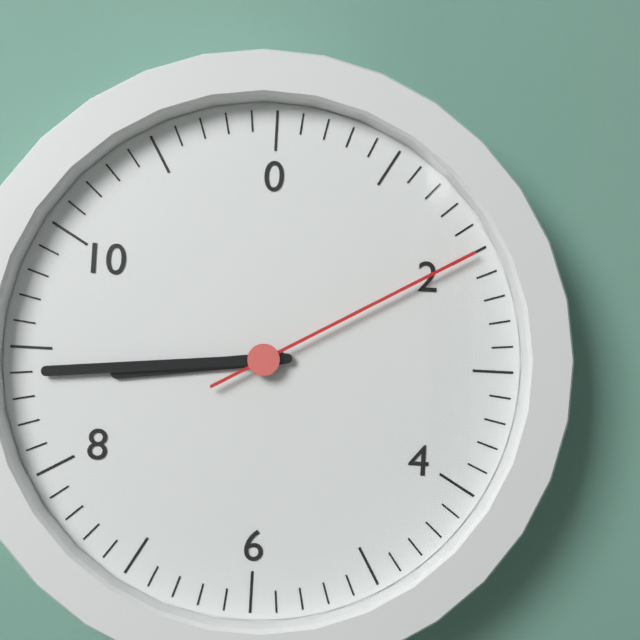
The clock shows **8:44:10**
